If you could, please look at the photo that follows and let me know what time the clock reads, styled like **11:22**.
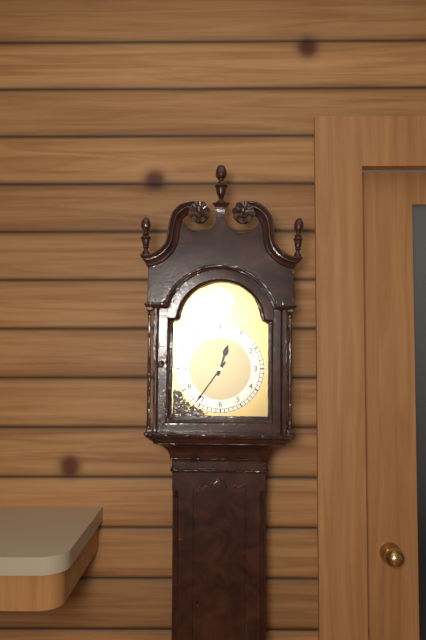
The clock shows **12:36**
